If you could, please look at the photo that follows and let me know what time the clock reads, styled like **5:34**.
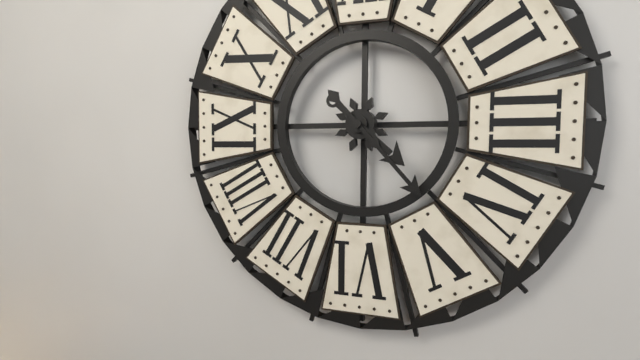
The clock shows **4:23**
